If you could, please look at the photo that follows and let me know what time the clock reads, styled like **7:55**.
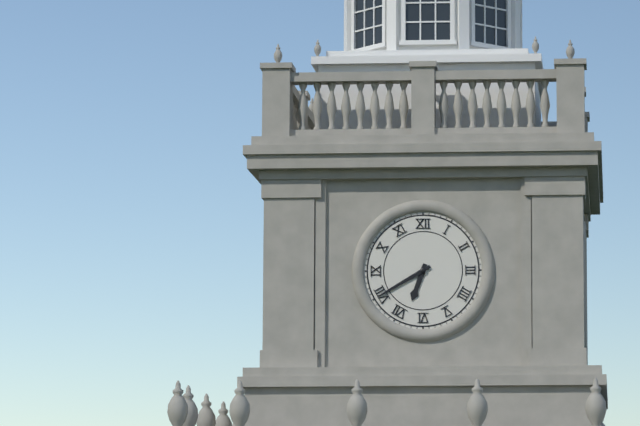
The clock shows **6:40**
